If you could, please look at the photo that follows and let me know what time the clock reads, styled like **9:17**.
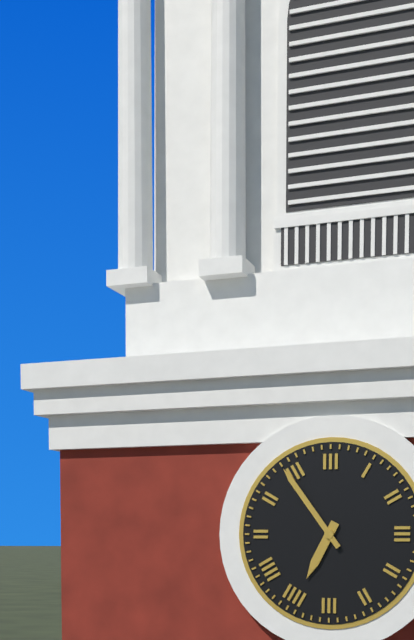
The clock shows **6:54**
